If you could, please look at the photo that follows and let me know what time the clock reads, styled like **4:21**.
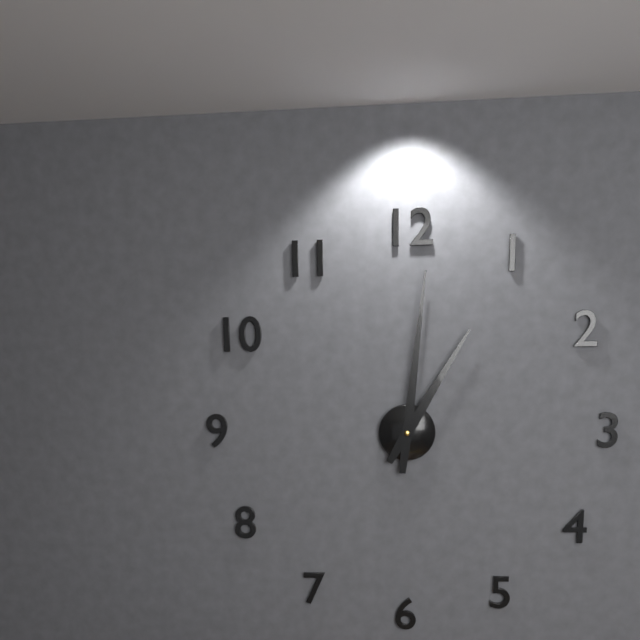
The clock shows **1:01**
